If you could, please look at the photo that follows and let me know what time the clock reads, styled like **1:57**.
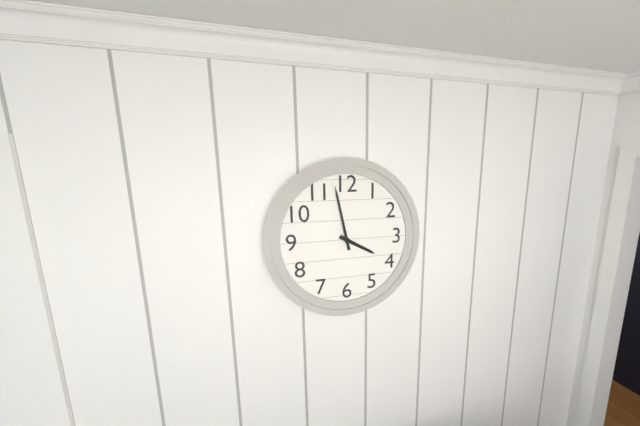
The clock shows **3:58**
